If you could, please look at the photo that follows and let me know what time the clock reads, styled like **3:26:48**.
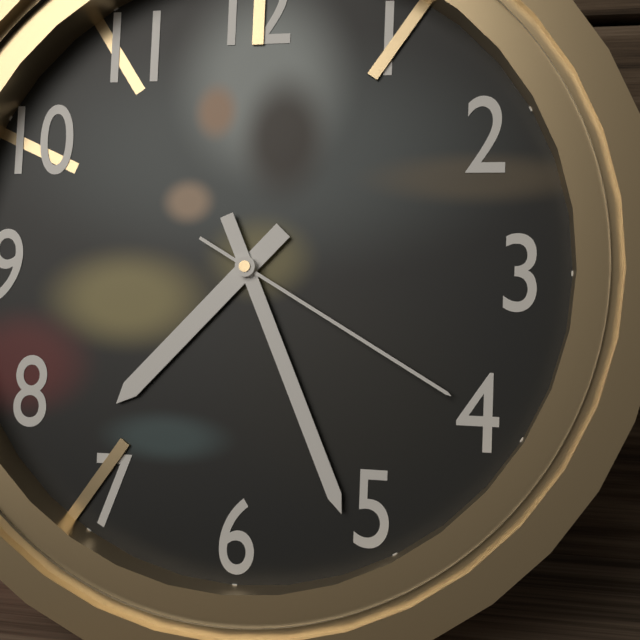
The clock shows **7:26:20**
